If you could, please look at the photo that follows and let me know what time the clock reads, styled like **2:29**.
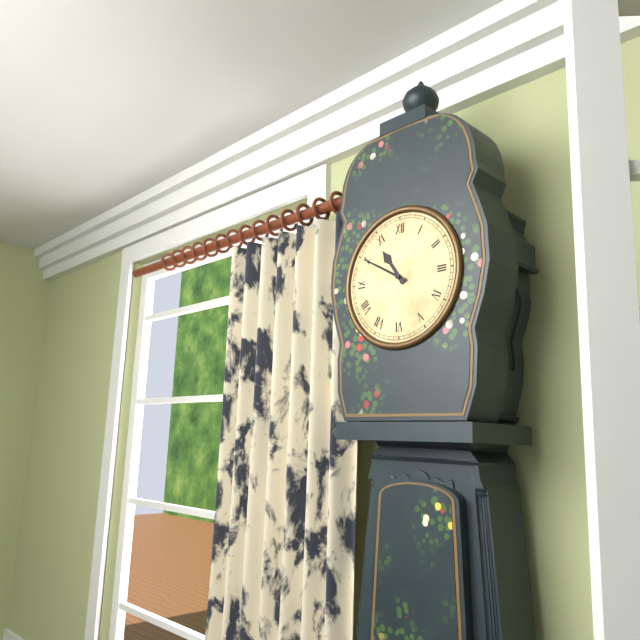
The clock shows **10:50**
